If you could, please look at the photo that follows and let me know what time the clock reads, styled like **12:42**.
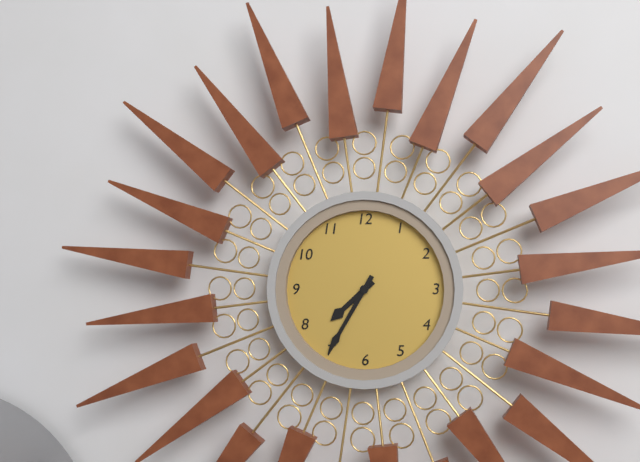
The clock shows **7:35**
